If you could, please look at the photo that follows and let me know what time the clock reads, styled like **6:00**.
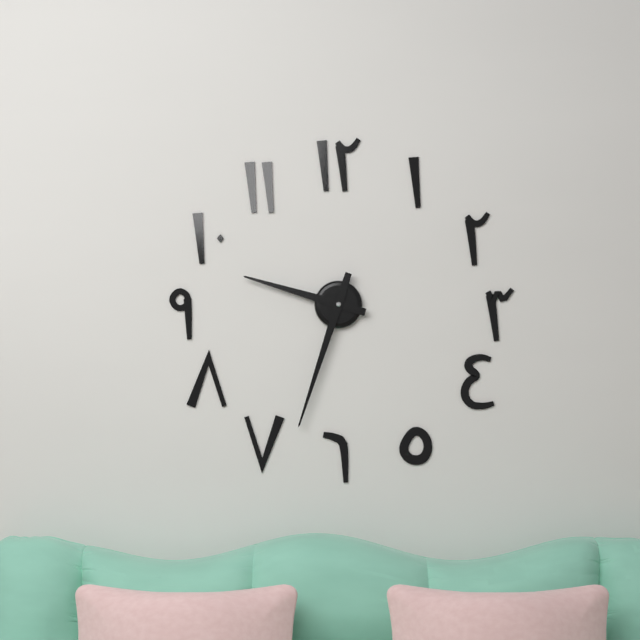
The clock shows **9:33**
